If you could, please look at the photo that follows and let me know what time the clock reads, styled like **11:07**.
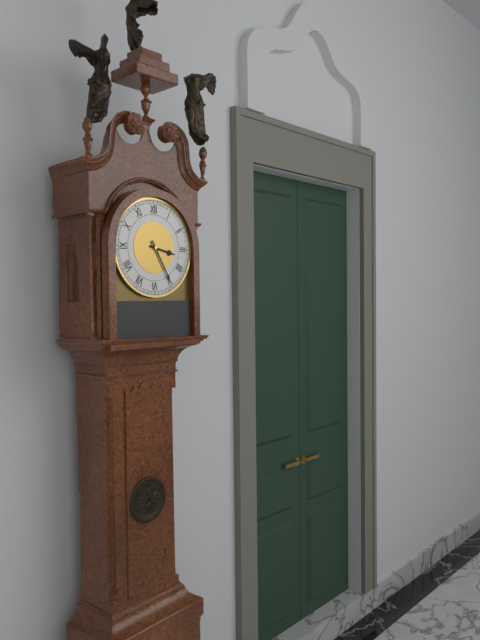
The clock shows **3:25**
